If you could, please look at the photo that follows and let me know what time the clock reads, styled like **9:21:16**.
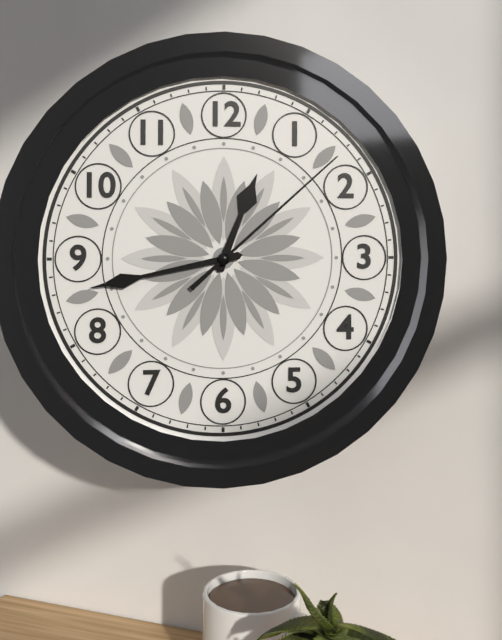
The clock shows **12:43:08**
